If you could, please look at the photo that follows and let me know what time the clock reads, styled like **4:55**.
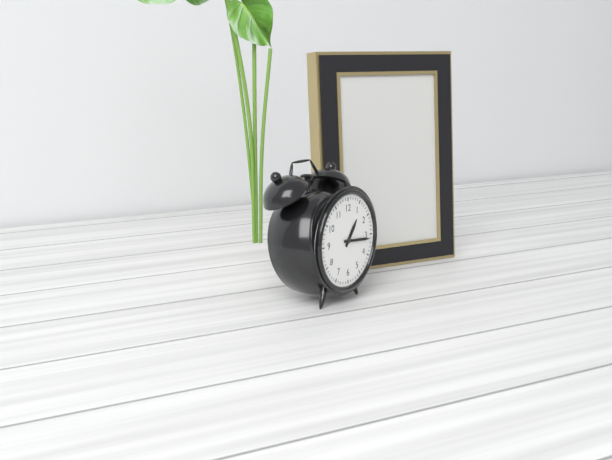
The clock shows **1:16**
